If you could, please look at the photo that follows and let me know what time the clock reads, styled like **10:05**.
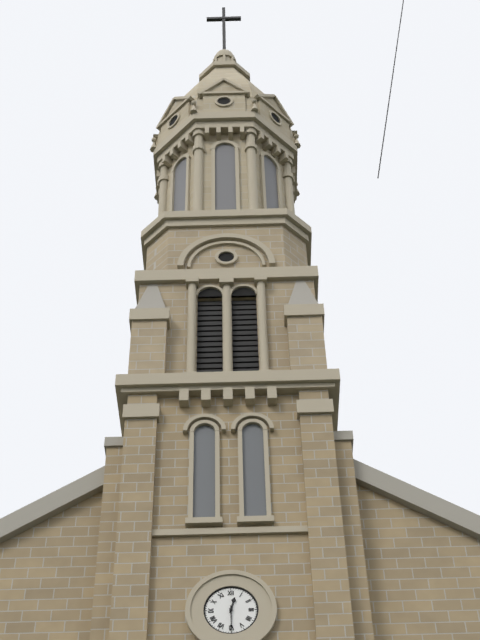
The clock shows **12:30**
